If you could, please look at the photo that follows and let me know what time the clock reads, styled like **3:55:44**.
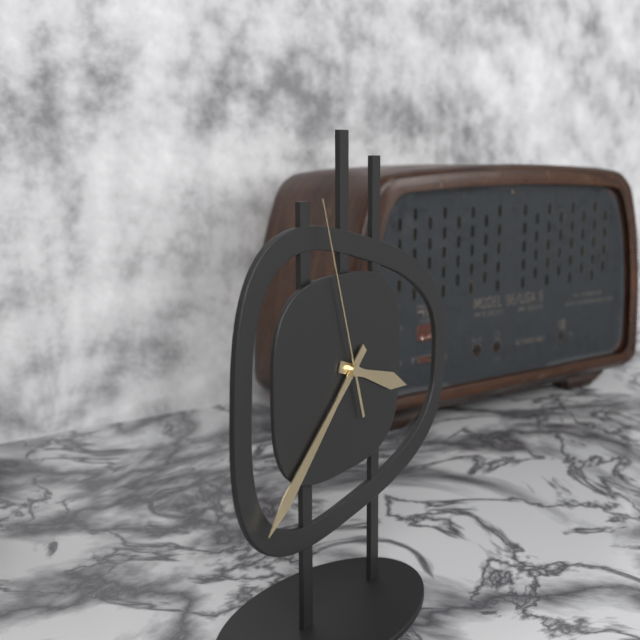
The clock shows **3:38:57**
